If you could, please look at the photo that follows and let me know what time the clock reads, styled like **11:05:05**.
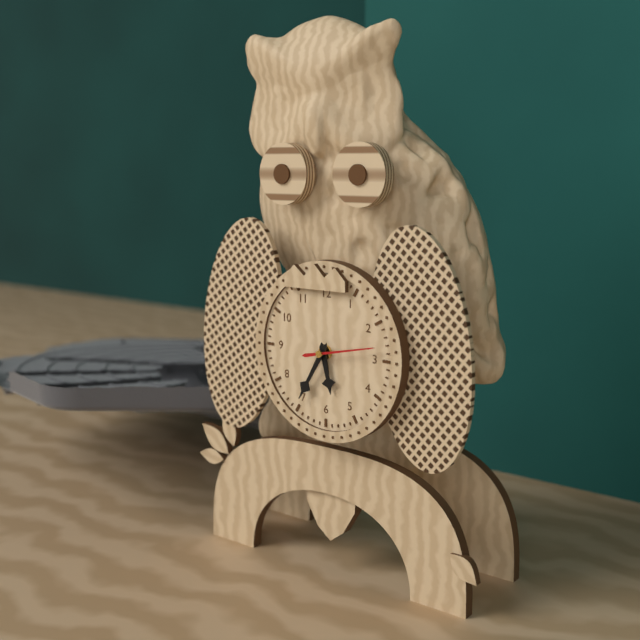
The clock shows **5:35:13**
